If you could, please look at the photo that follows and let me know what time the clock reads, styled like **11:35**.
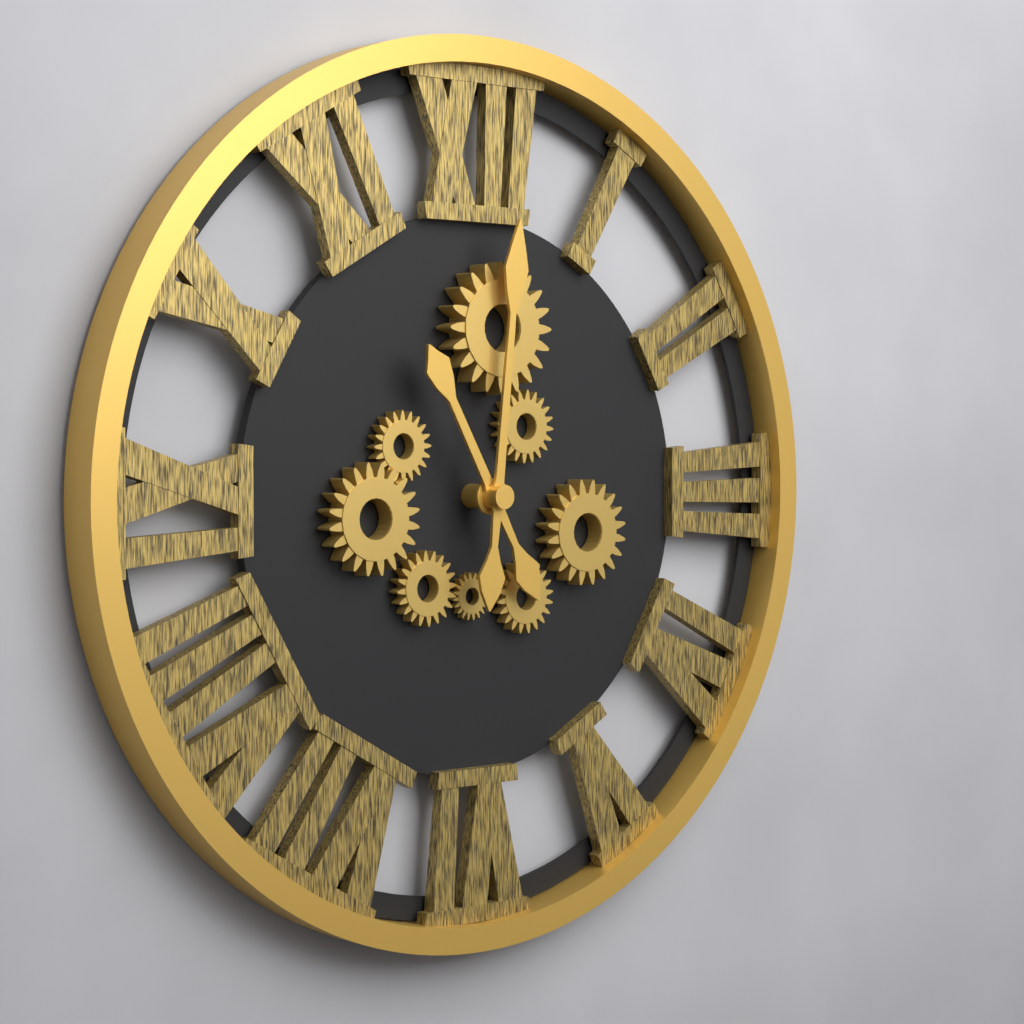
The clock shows **11:01**
